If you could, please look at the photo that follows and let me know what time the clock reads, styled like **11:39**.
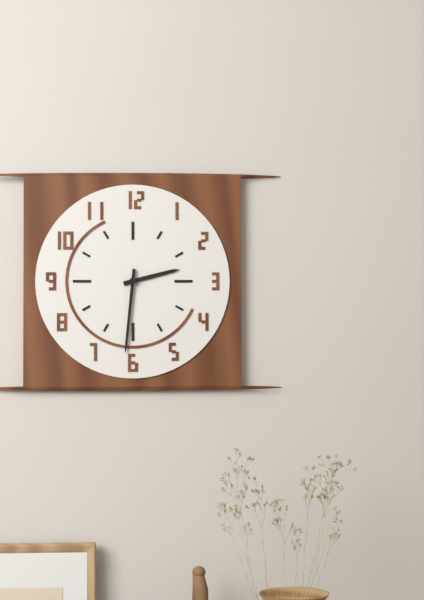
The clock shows **2:31**
